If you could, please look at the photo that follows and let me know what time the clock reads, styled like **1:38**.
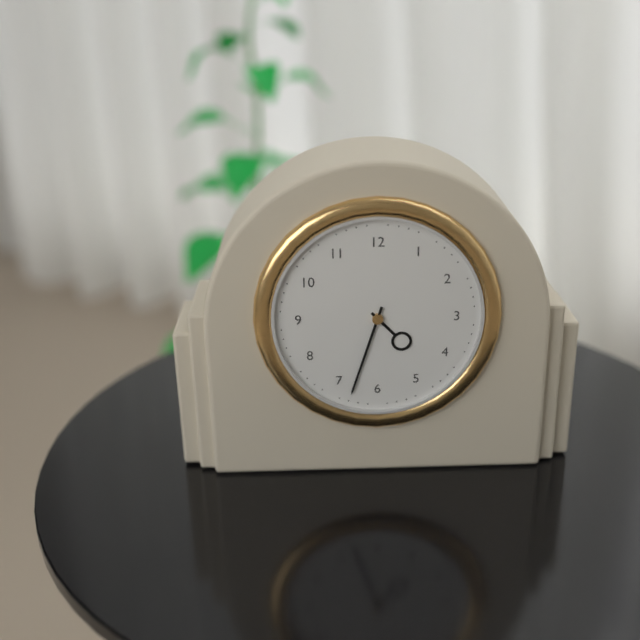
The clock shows **4:33**
